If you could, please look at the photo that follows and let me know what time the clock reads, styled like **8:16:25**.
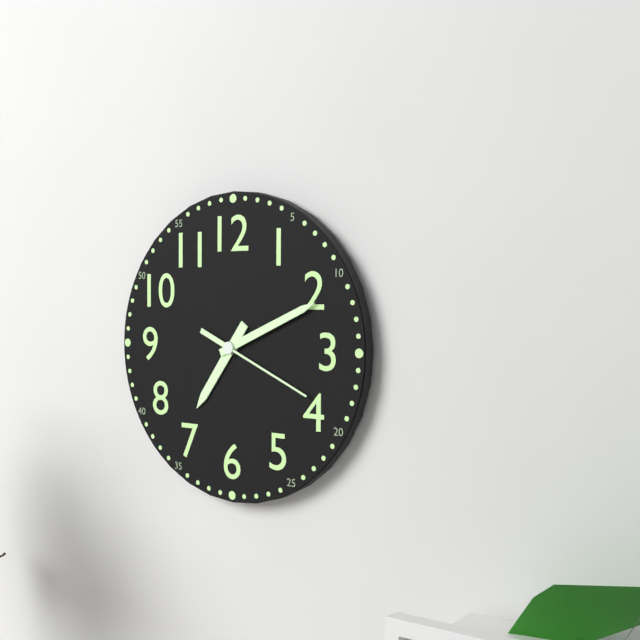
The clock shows **7:11:19**
